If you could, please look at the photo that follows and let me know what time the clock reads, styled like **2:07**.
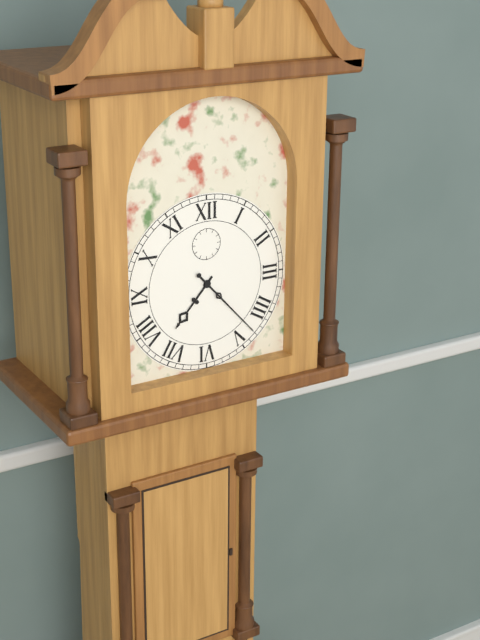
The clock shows **7:23**
